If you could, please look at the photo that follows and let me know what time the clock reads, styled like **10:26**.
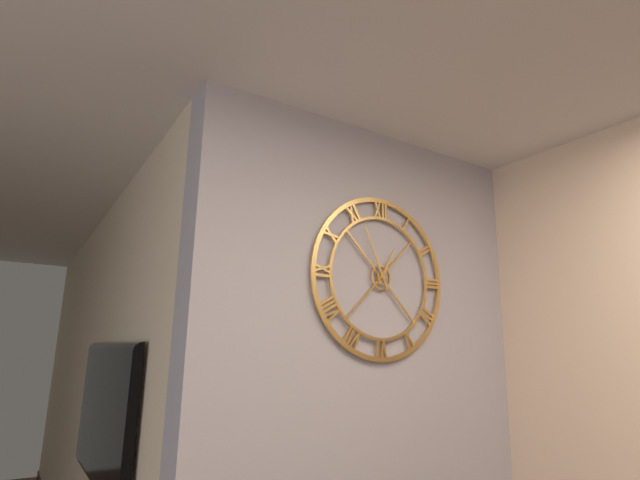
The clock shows **12:56**
